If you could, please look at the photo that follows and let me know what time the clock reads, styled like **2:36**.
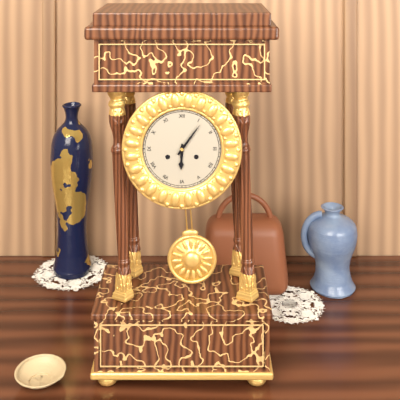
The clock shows **6:06**
